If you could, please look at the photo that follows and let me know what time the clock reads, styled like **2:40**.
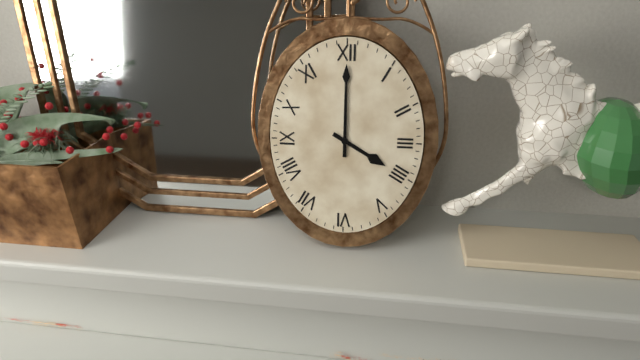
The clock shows **4:00**
